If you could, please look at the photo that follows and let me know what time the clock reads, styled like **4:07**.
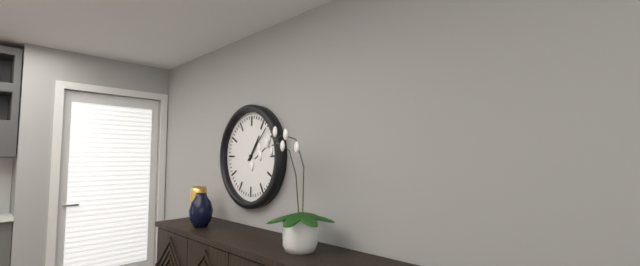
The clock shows **1:07**
